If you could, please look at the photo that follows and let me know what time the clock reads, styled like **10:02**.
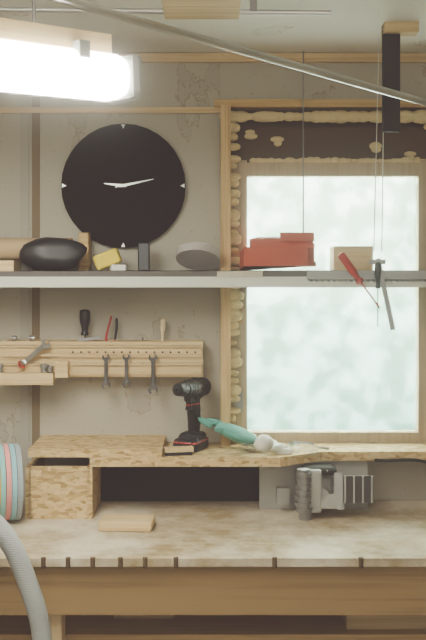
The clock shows **9:13**
